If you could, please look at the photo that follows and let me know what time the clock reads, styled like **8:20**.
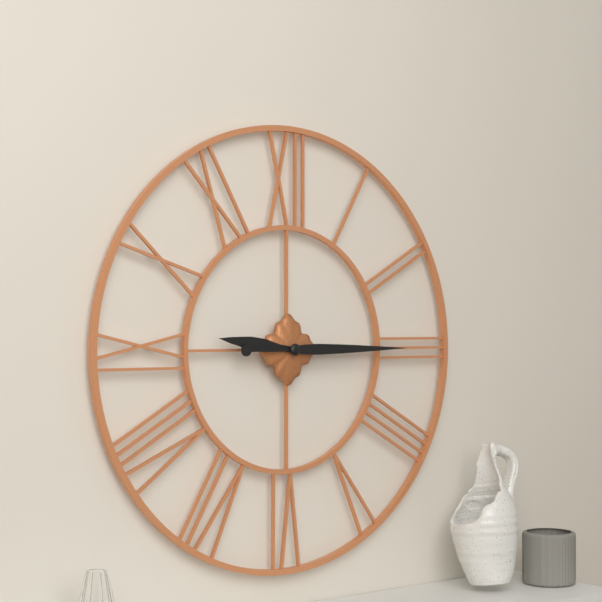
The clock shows **9:15**
